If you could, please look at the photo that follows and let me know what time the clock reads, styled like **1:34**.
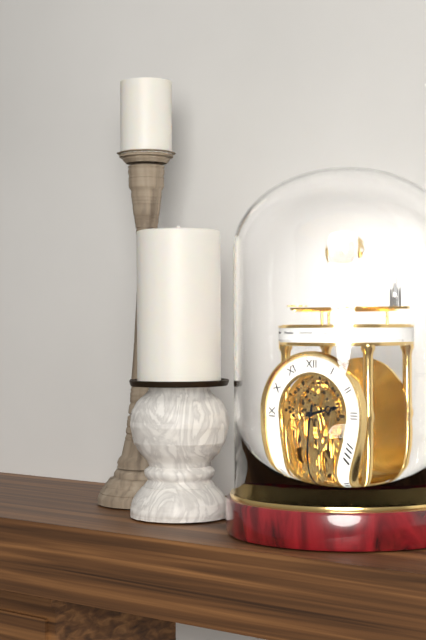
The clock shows **2:32**
